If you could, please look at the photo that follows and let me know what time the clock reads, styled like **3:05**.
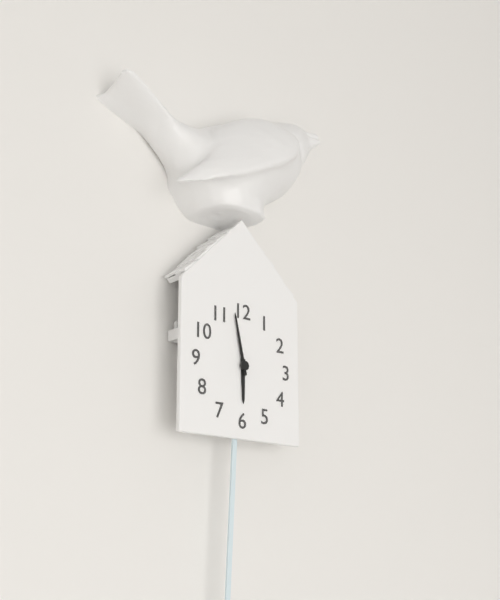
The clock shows **5:58**
